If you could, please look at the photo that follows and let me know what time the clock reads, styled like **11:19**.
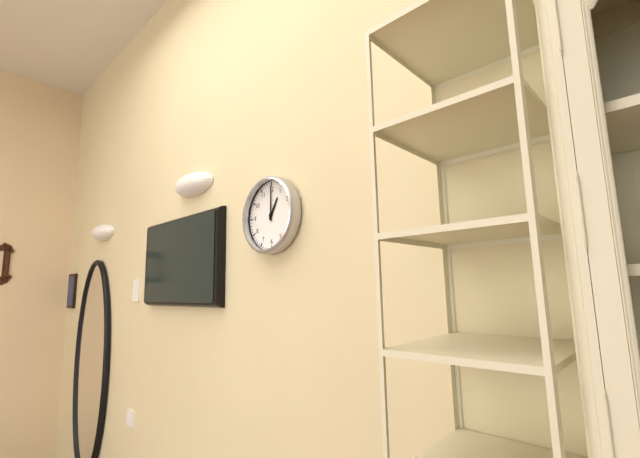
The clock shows **1:00**
